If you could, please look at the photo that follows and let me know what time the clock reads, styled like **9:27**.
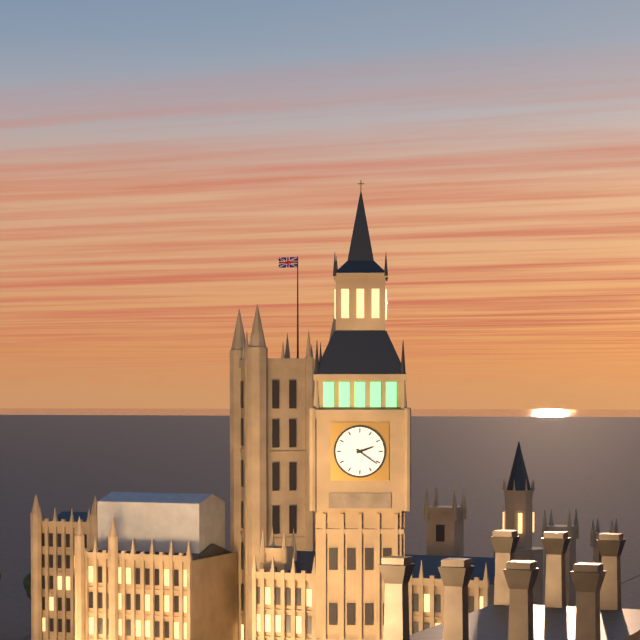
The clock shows **2:21**
